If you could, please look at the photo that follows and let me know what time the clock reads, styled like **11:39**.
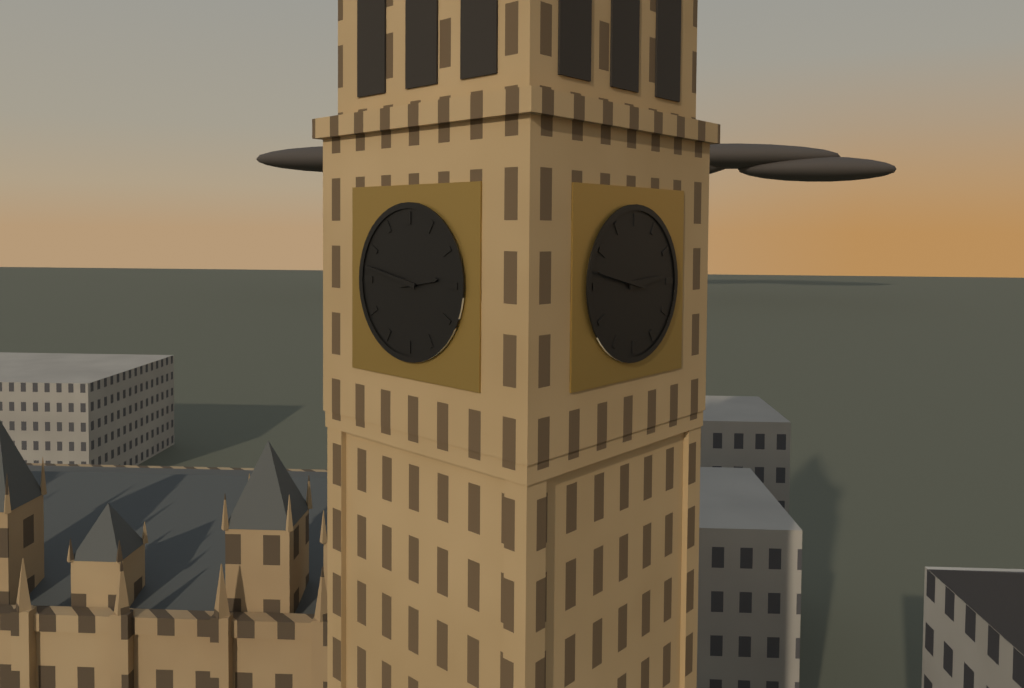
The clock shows **2:47**
